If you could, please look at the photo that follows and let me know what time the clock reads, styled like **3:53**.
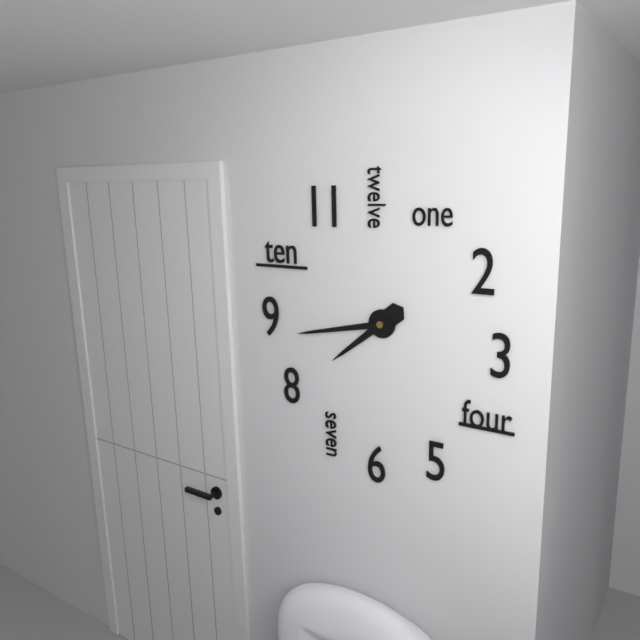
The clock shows **7:43**
